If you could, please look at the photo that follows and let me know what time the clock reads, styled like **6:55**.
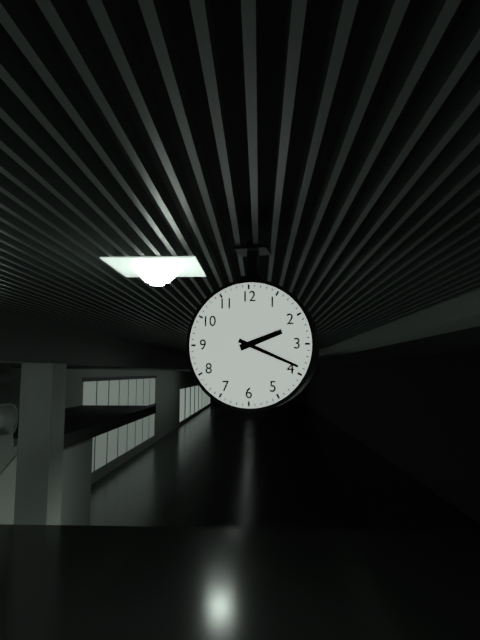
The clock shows **2:19**
